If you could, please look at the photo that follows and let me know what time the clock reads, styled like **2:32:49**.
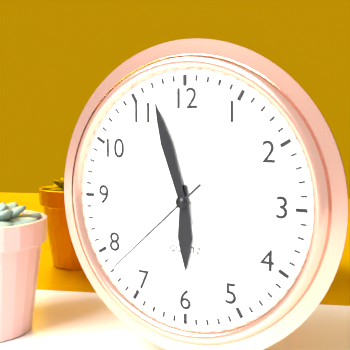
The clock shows **5:57:38**
